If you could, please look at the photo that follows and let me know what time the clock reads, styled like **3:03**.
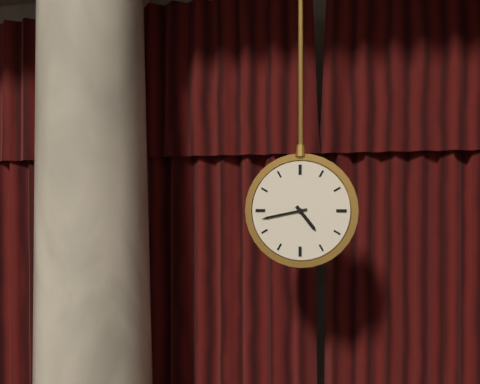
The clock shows **4:43**
